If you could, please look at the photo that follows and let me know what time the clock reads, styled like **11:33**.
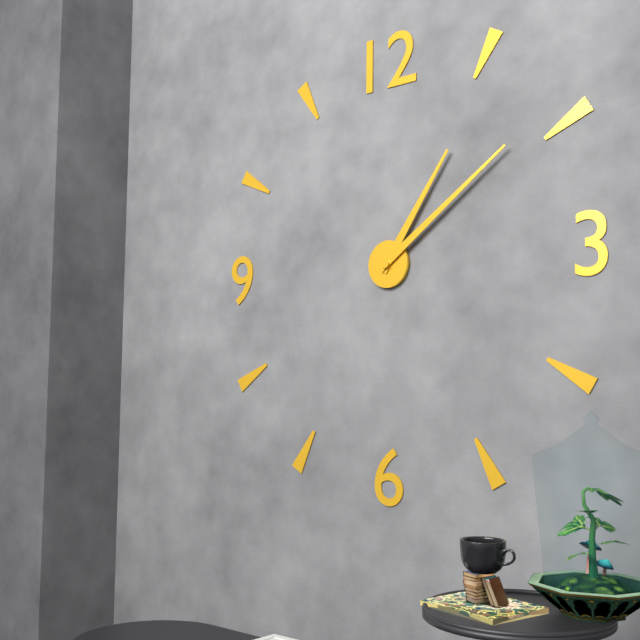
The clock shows **1:09**
